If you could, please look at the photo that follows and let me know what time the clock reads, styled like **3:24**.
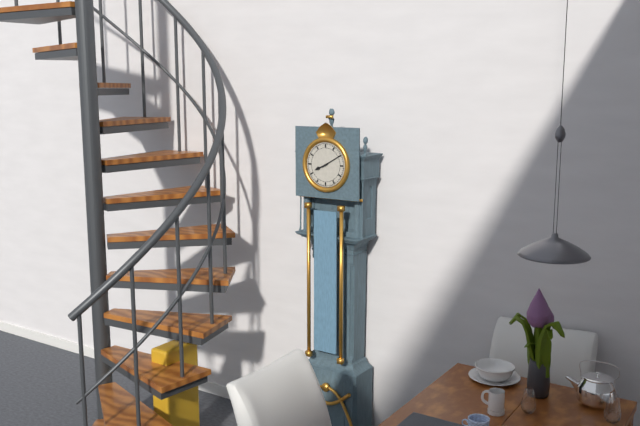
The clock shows **8:10**
